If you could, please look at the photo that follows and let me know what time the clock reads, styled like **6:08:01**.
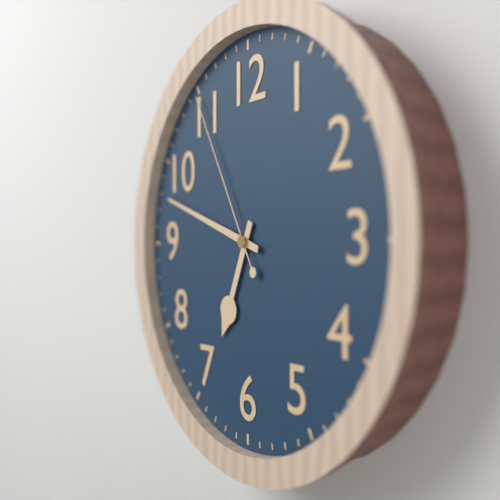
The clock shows **6:48:55**
